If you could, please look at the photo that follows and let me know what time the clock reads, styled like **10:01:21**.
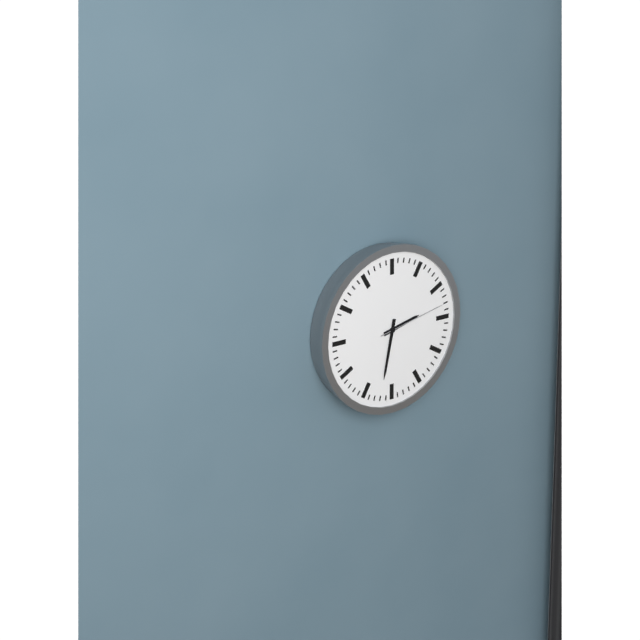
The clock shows **2:32:13**
